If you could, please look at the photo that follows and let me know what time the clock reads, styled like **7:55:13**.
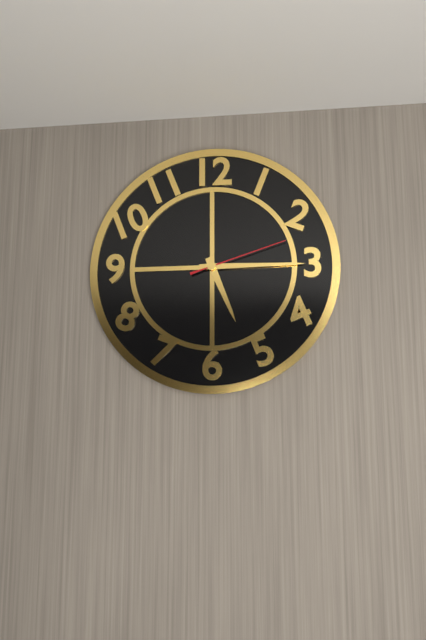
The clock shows **5:15:12**
